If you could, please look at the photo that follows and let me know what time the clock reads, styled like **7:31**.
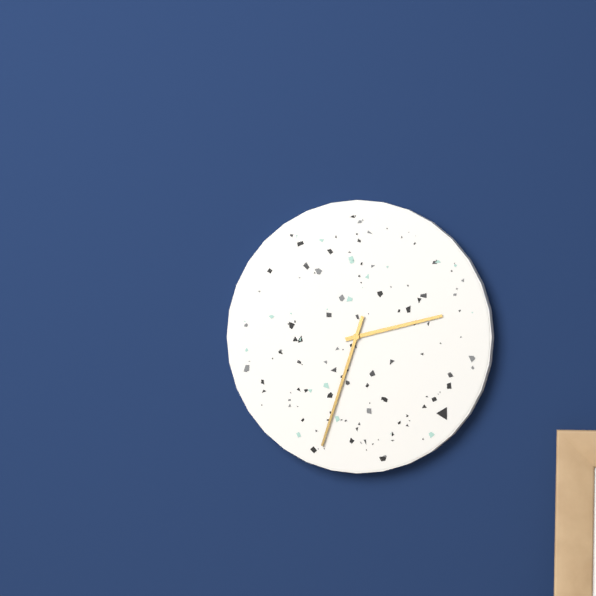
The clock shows **2:33**
